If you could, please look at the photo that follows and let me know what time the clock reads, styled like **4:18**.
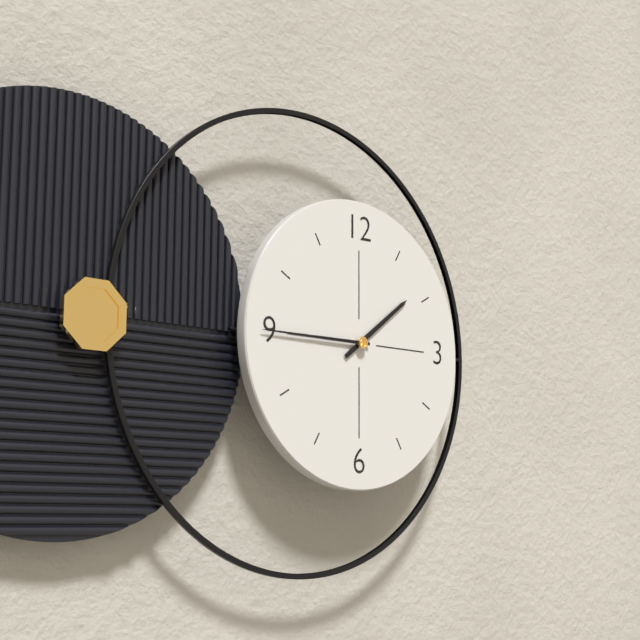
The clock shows **1:45**
